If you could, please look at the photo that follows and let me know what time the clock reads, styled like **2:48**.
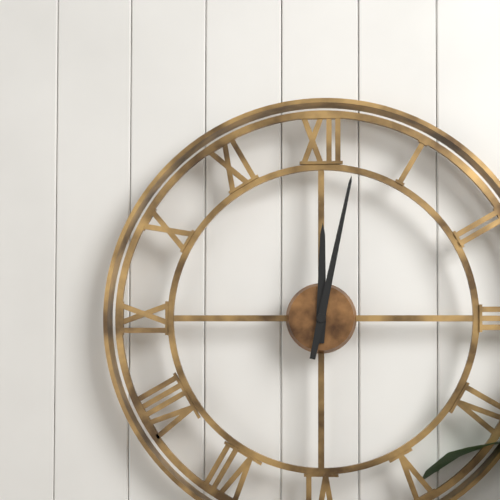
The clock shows **12:02**
